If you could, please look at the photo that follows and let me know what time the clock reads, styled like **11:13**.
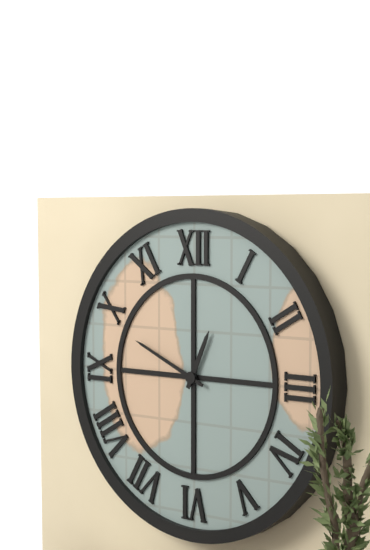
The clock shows **12:49**
